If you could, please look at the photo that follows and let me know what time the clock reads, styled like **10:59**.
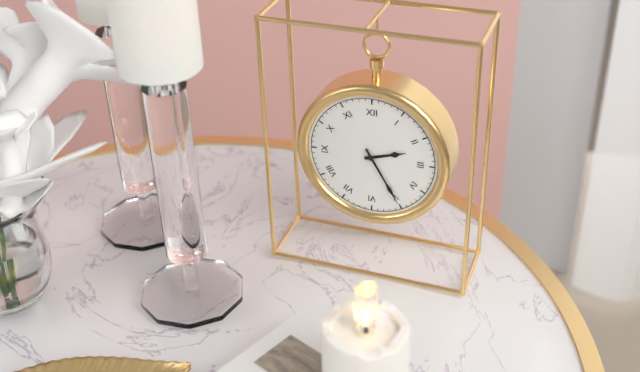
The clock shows **2:25**
